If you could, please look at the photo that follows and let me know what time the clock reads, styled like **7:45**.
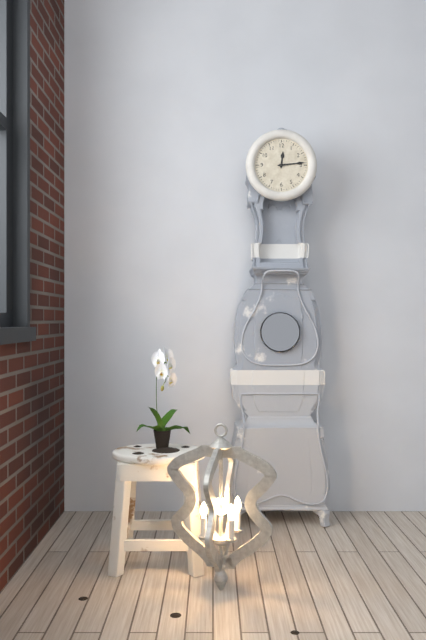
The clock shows **12:14**
